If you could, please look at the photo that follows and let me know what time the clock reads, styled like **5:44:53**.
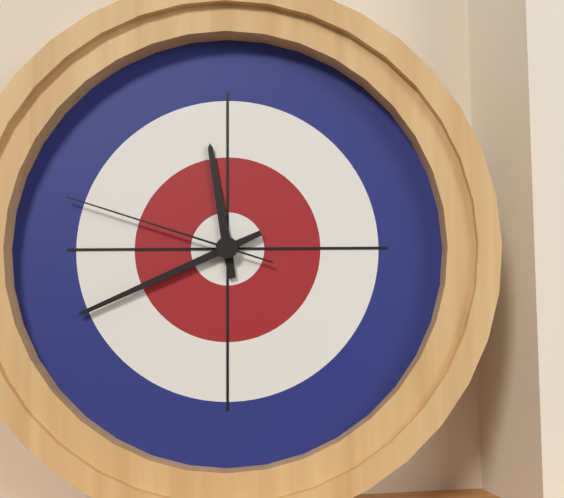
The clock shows **11:41:48**
